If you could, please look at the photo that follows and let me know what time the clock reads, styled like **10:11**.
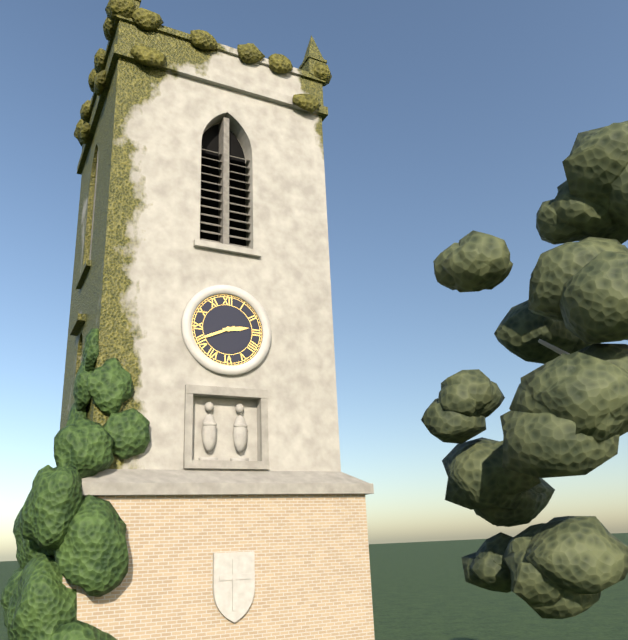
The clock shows **2:41**
